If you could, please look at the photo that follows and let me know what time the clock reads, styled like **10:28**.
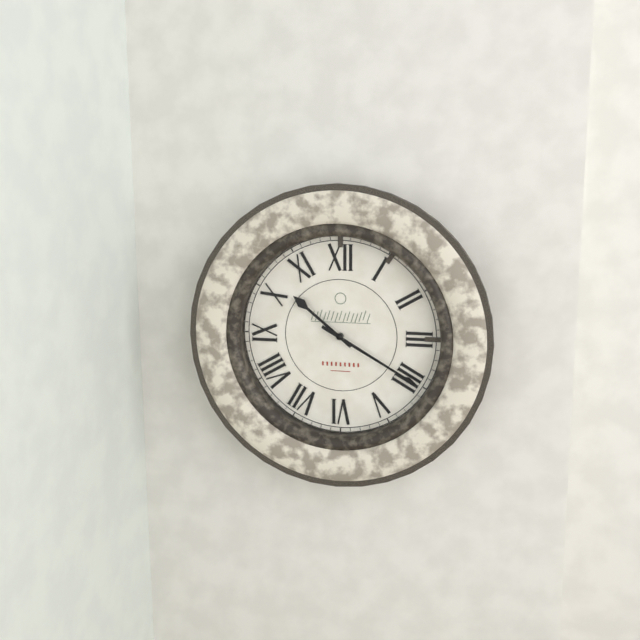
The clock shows **10:20**
